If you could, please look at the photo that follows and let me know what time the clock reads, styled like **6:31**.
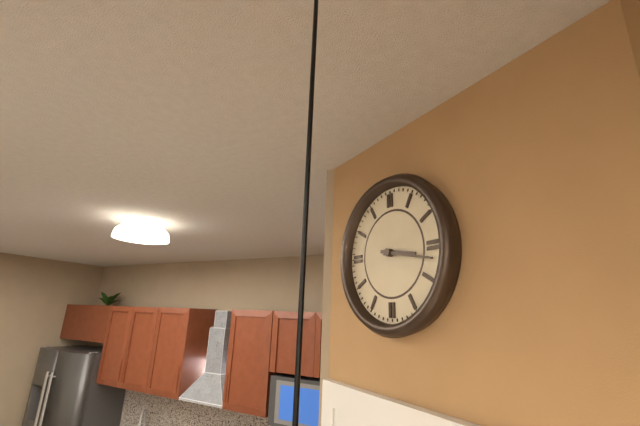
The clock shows **3:17**
